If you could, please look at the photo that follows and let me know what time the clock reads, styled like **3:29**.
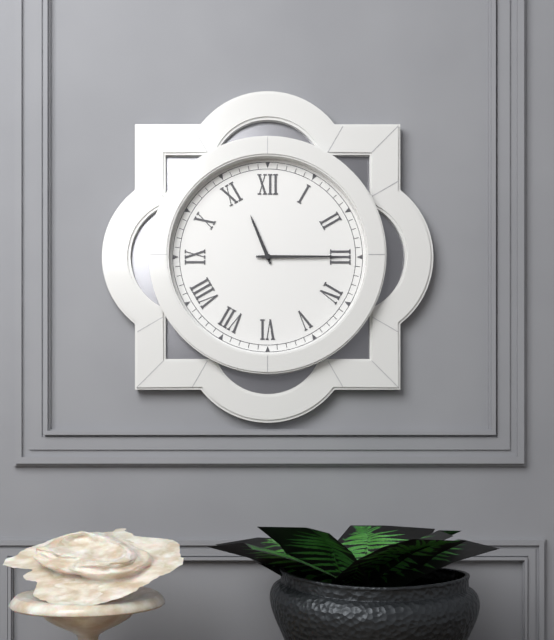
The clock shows **11:15**
